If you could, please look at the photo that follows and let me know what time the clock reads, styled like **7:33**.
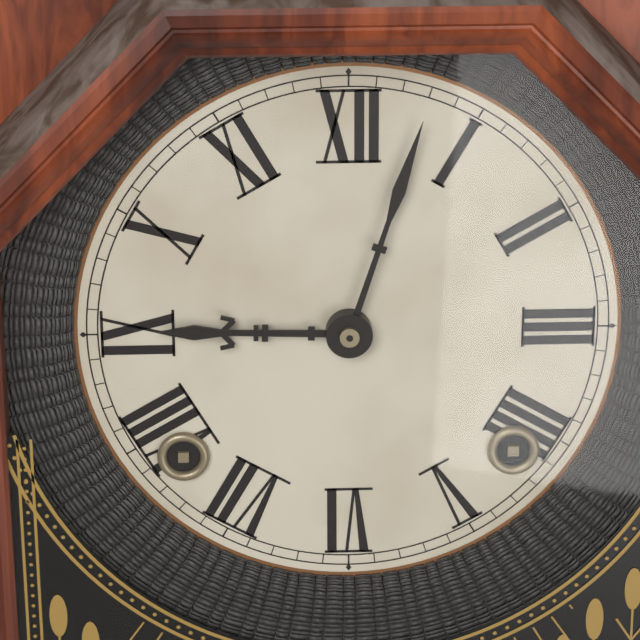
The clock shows **9:03**
